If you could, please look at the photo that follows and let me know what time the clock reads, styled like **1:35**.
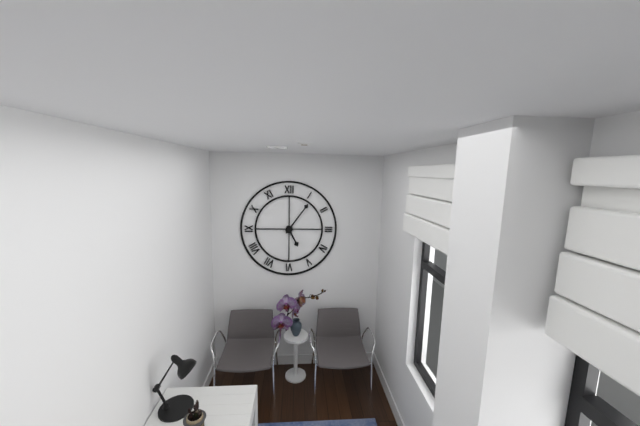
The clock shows **5:06**
